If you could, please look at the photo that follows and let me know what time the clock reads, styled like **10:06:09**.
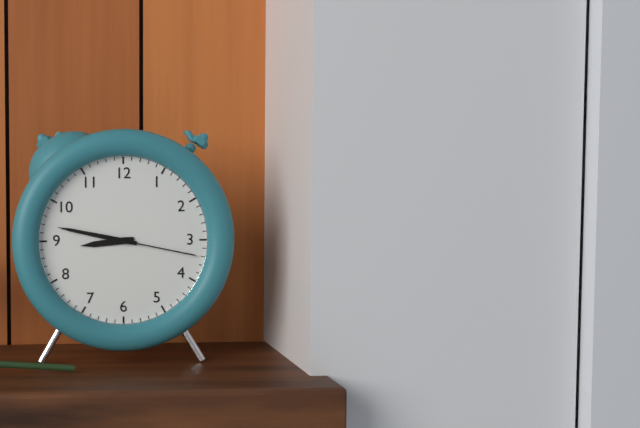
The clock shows **8:47:17**
